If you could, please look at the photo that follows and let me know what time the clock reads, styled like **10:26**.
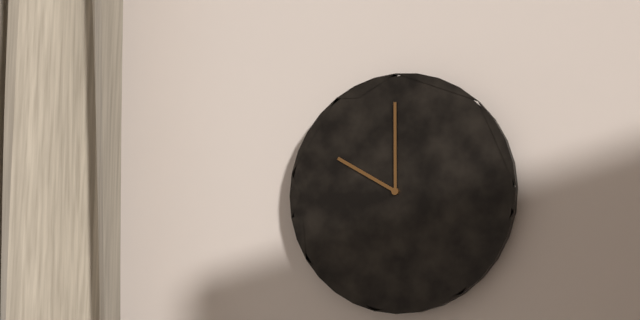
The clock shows **10:00**
